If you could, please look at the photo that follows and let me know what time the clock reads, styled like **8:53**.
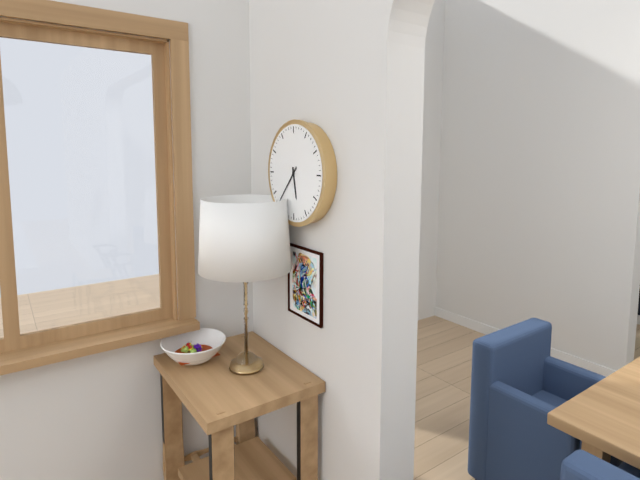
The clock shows **5:37**
